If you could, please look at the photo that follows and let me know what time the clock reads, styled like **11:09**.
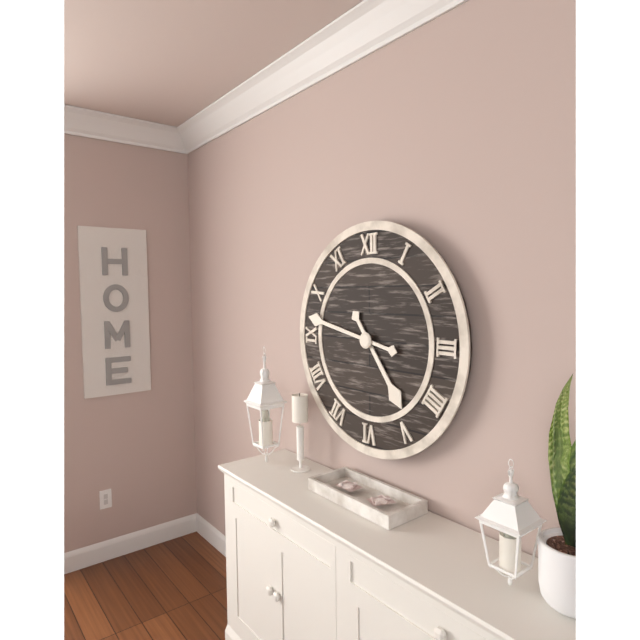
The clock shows **4:47**
